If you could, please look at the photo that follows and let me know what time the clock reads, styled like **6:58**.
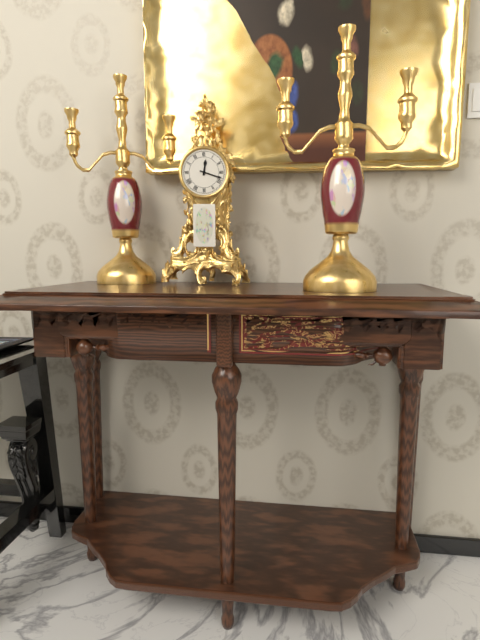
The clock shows **12:18**
